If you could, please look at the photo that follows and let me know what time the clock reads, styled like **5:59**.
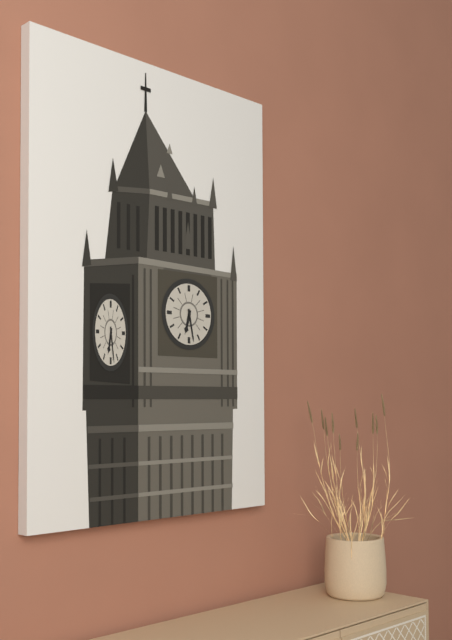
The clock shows **6:28**
